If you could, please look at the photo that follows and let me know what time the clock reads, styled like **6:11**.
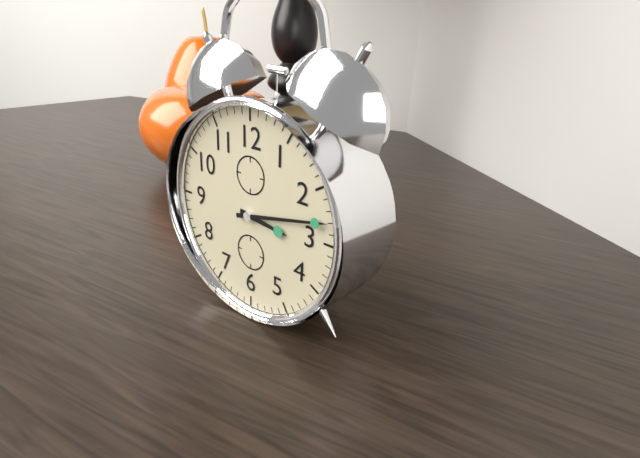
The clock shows **3:13**
